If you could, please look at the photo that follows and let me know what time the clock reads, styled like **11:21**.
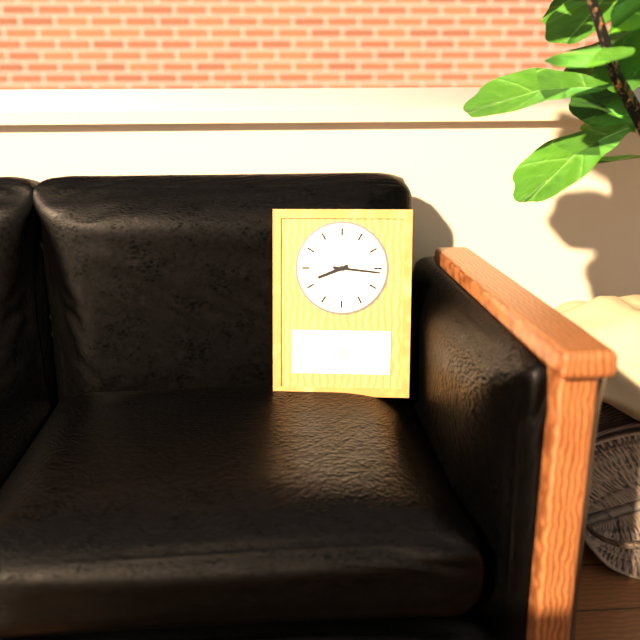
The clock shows **8:16**
